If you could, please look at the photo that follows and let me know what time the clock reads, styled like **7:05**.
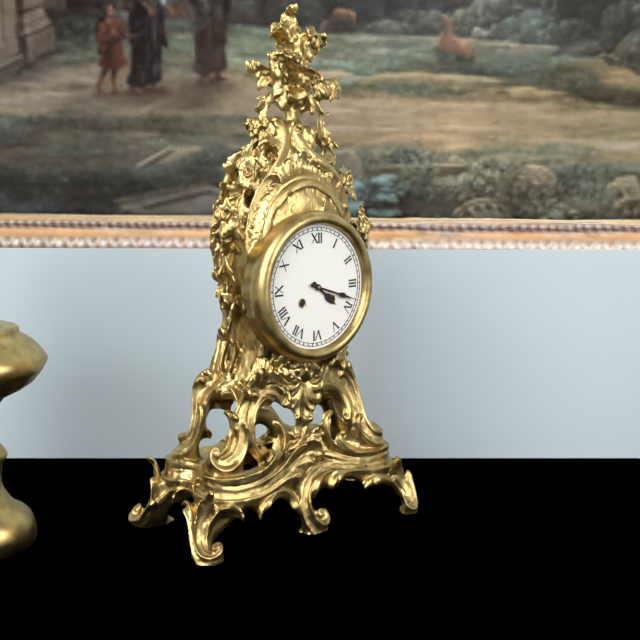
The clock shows **4:18**
